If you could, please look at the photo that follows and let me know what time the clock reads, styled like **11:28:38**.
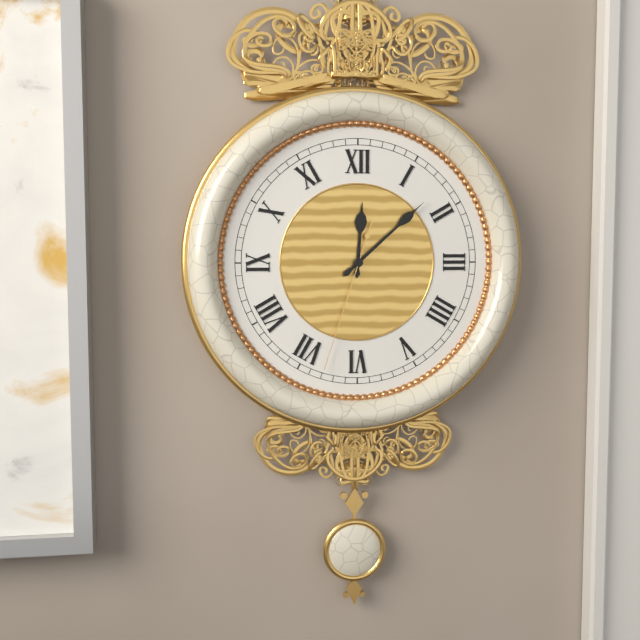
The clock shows **12:08:33**
